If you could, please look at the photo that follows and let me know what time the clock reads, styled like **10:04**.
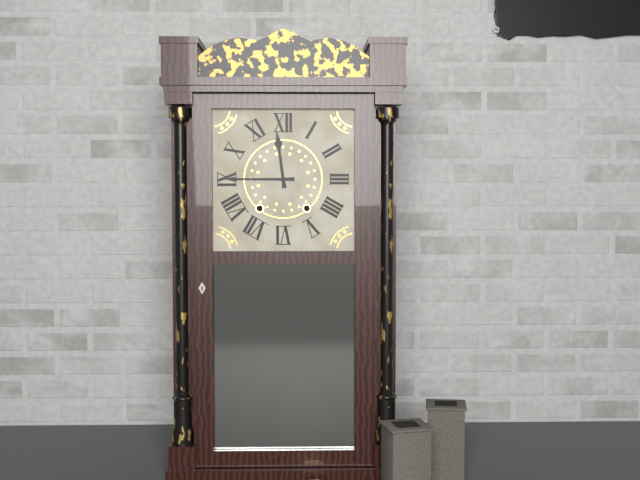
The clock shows **11:45**
